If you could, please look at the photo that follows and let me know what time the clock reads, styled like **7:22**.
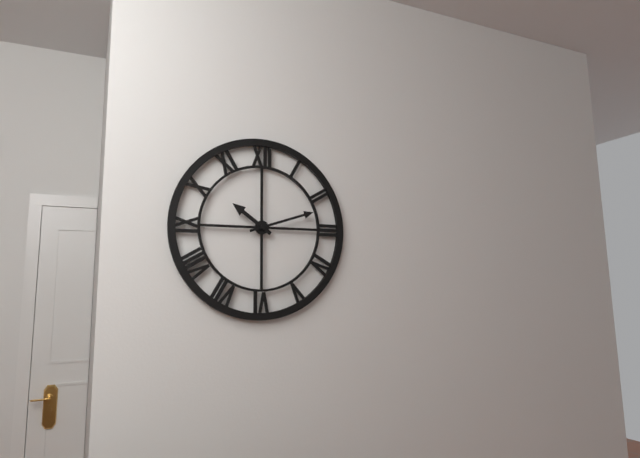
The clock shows **10:12**
